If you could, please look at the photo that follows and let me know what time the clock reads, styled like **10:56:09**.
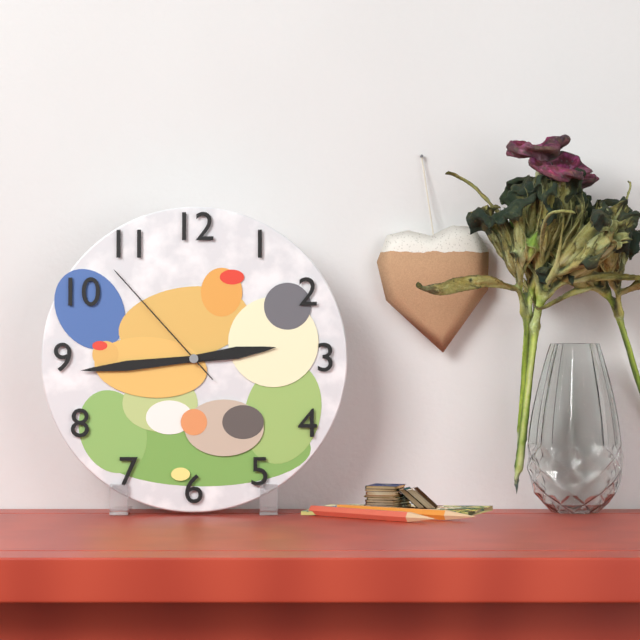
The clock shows **2:44:53**
